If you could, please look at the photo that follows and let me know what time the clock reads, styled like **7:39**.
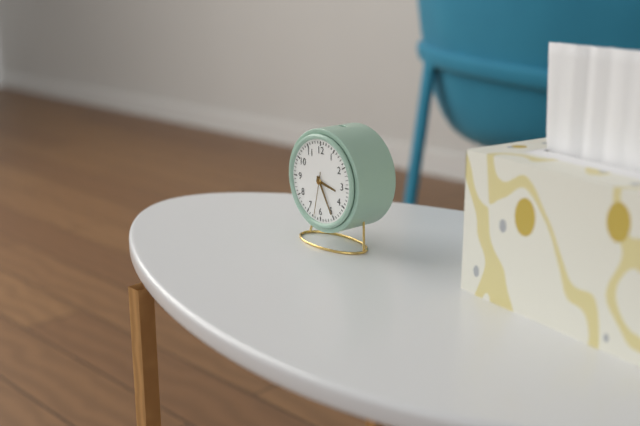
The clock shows **3:25**
